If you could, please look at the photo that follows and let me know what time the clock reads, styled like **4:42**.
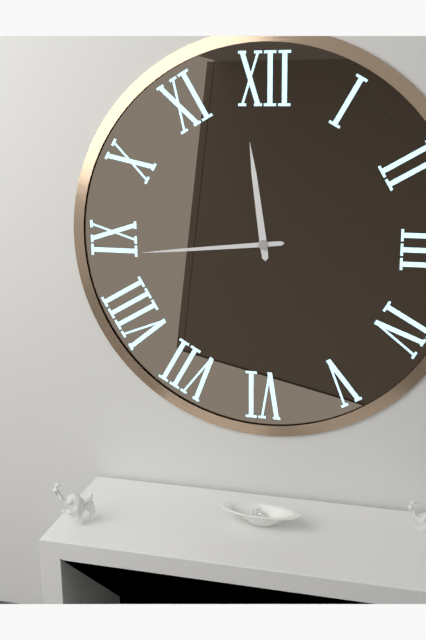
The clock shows **11:44**
